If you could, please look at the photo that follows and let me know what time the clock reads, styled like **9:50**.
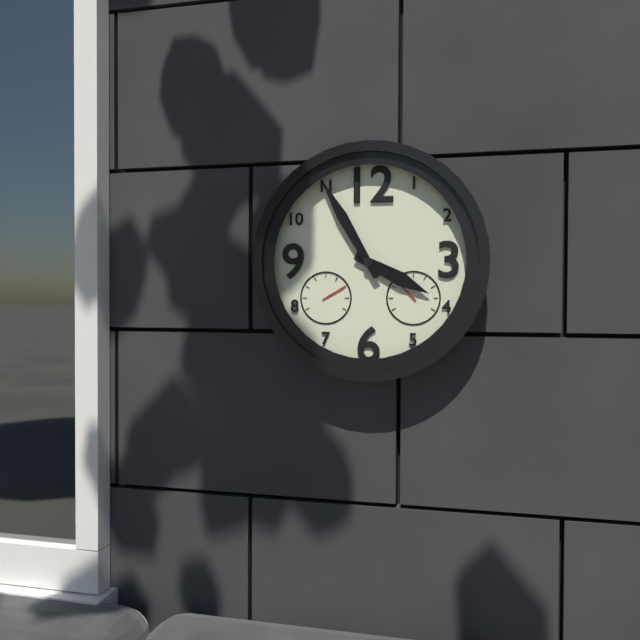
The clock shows **3:55**
